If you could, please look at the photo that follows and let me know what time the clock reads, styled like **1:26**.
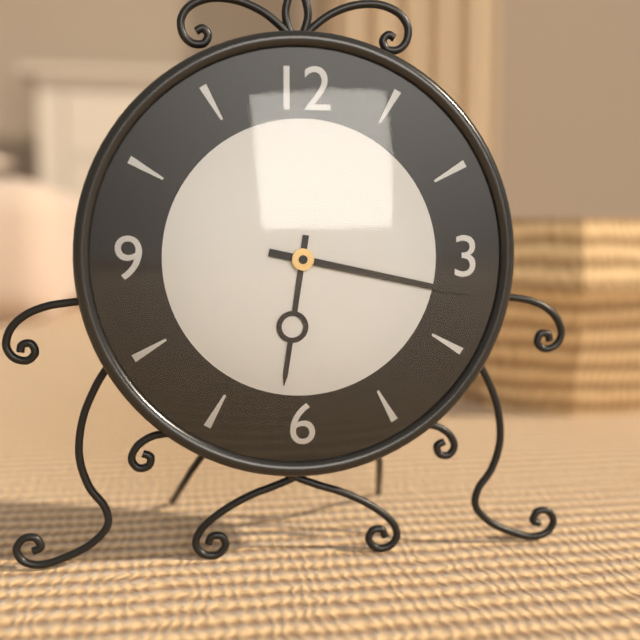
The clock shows **6:17**
